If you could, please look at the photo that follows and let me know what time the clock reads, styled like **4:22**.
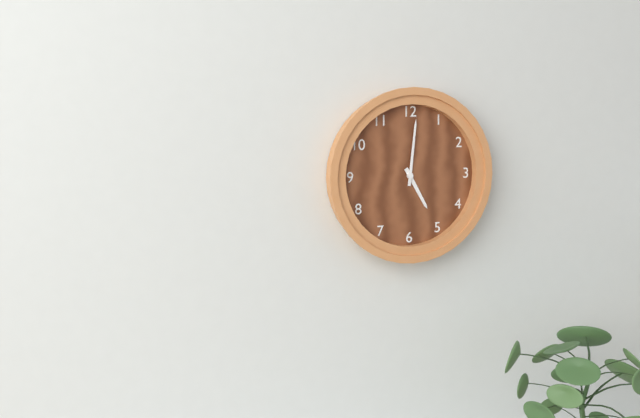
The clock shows **5:01**
